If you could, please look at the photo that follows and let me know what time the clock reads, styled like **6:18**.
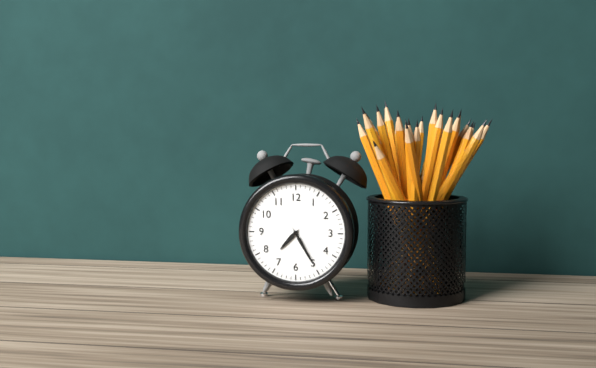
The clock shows **7:25**
